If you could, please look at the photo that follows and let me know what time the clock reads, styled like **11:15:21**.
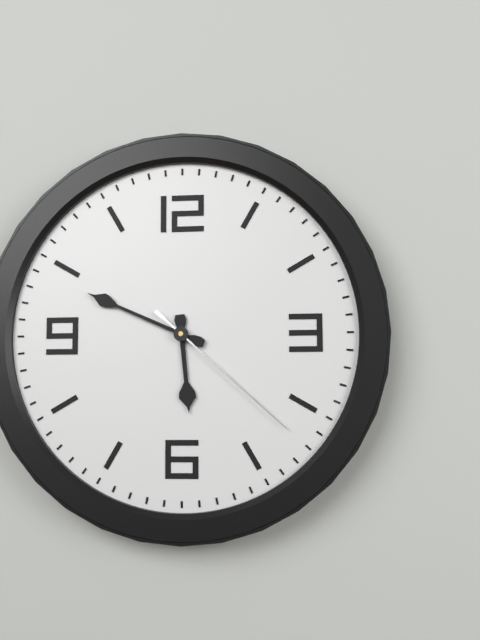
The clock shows **5:49:22**
